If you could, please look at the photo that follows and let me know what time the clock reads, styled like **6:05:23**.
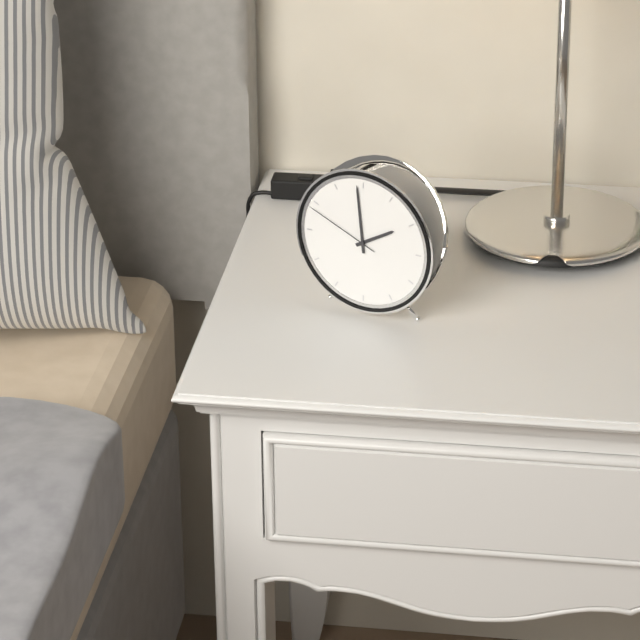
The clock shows **1:59:49**
